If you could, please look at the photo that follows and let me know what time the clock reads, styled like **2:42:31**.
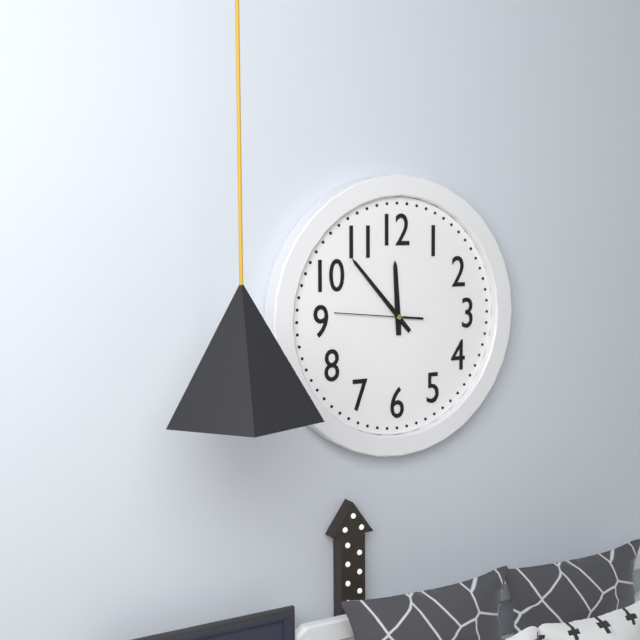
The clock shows **11:53:46**
